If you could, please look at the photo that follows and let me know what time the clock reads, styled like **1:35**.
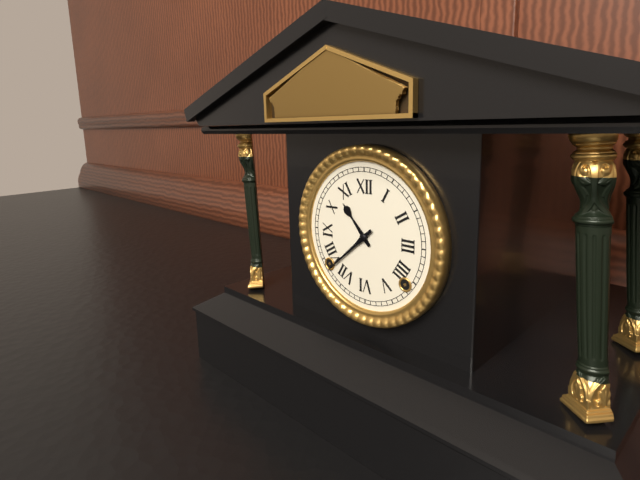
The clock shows **10:38**
